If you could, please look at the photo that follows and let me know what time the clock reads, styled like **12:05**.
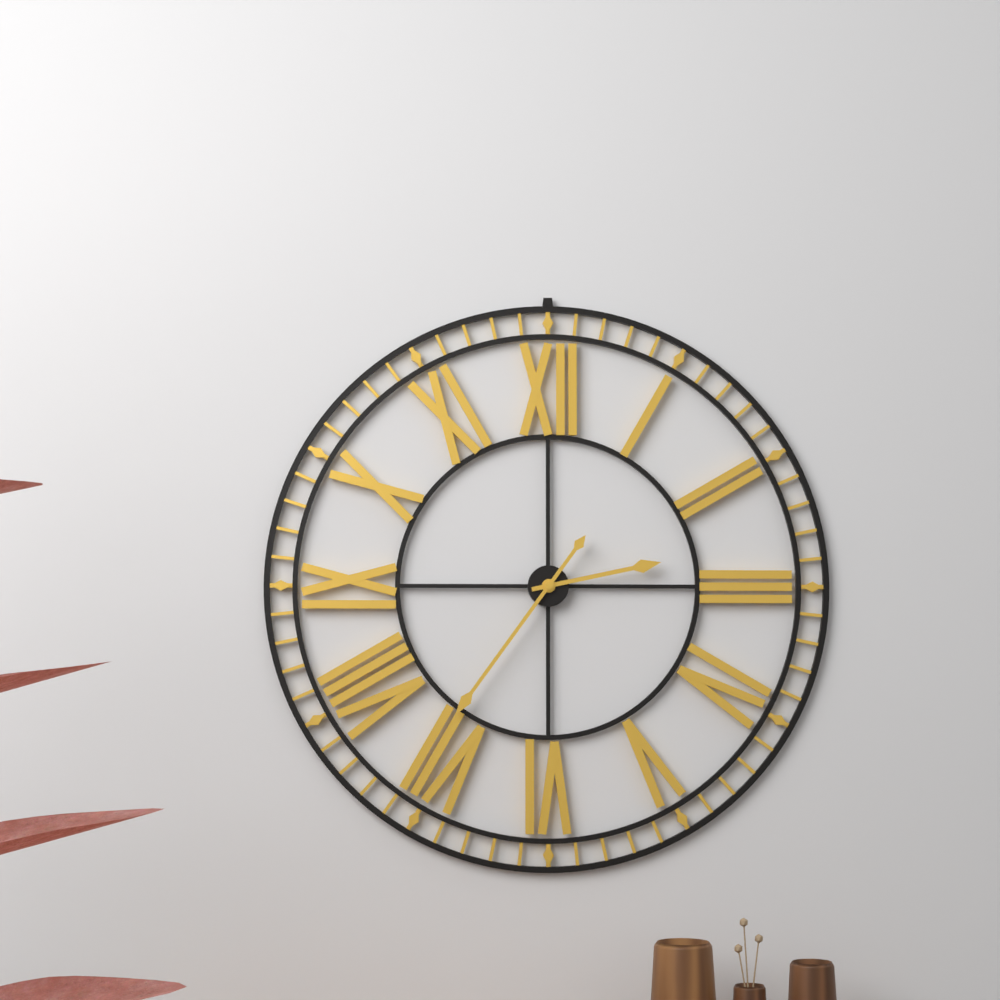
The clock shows **2:36**
